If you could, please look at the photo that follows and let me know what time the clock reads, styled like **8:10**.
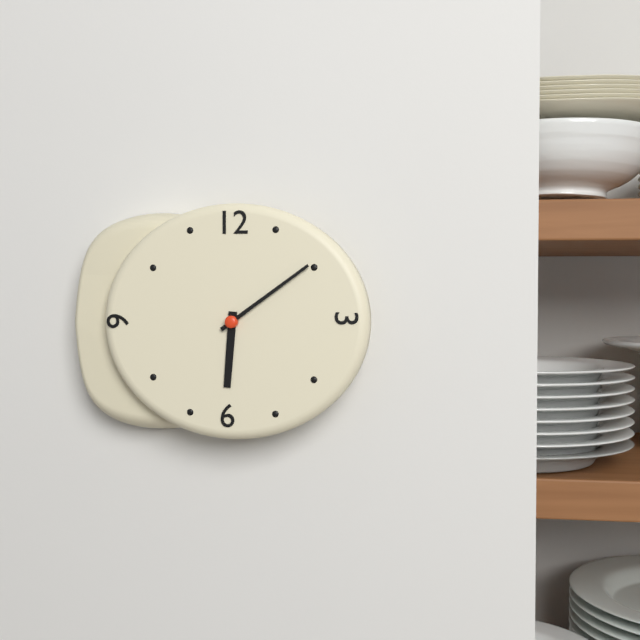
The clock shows **6:09**
